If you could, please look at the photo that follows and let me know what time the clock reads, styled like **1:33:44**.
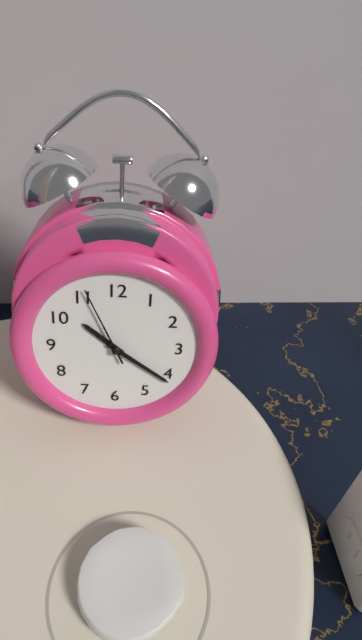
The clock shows **10:21:56**
